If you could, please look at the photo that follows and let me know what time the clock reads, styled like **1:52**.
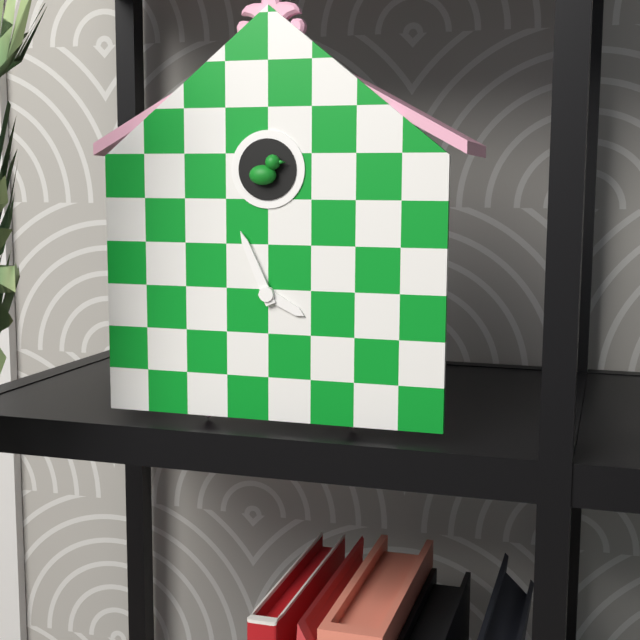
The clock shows **3:56**
